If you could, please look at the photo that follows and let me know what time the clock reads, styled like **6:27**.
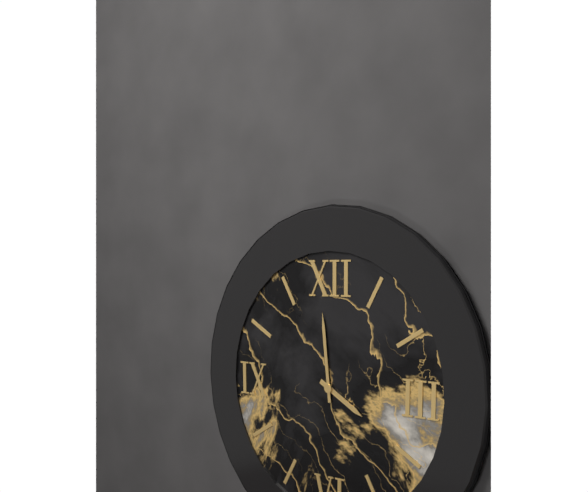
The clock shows **3:59**
